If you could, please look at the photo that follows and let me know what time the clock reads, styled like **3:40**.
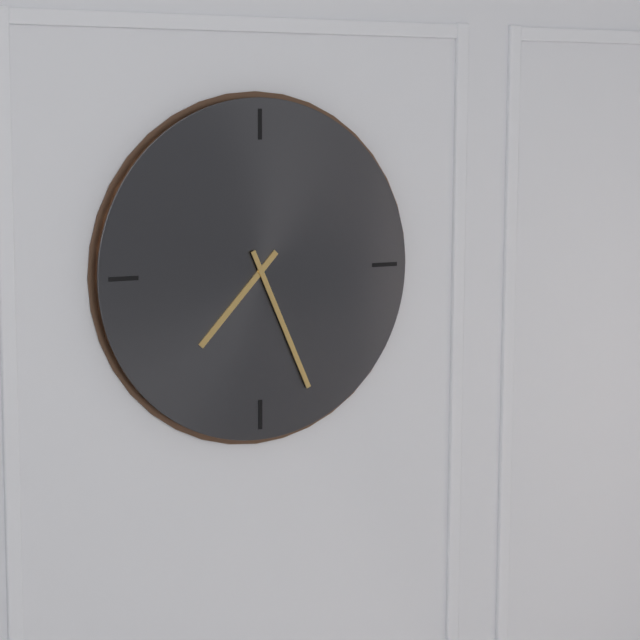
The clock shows **7:26**
